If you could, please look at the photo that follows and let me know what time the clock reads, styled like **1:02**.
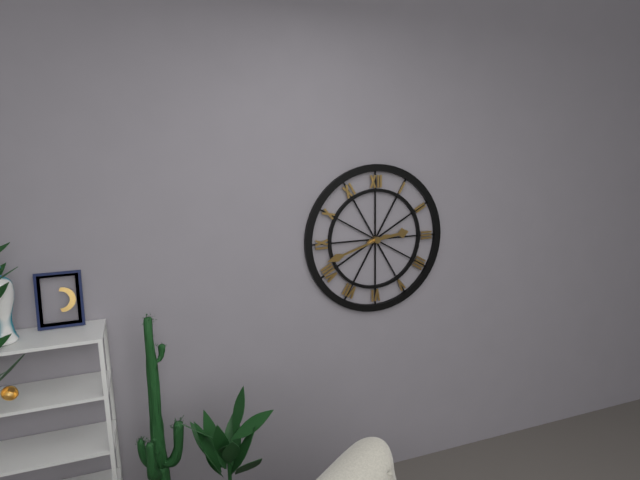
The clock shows **2:42**
